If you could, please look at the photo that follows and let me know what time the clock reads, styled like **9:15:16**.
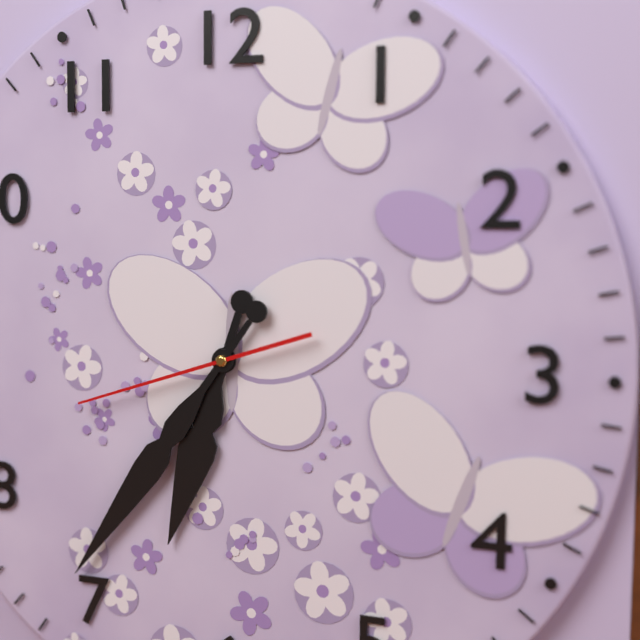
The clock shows **6:36:42**
